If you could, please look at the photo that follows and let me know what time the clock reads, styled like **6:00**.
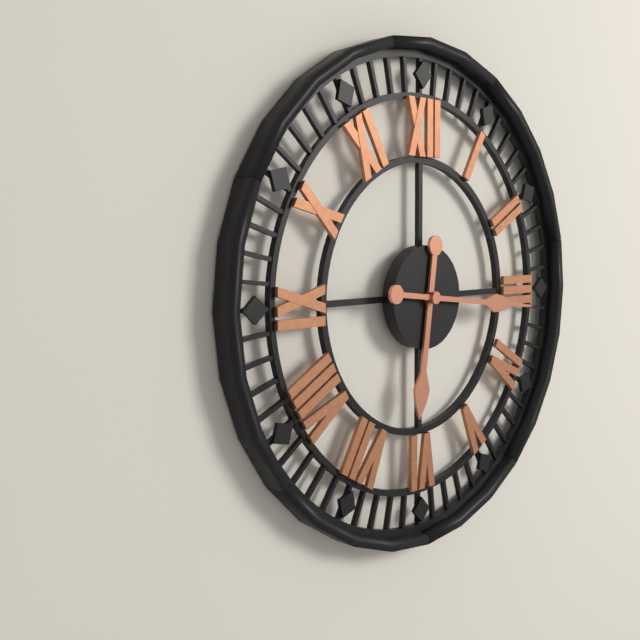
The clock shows **6:16**
